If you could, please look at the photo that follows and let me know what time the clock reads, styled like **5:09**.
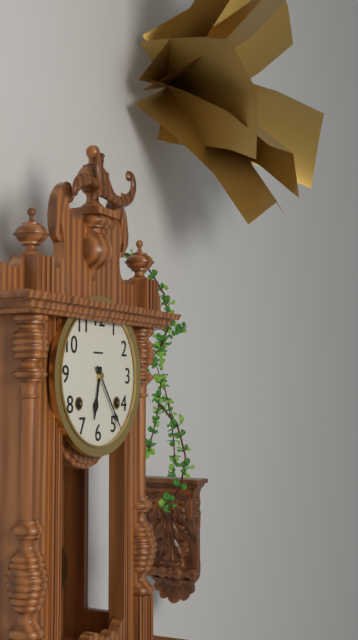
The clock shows **6:24**
